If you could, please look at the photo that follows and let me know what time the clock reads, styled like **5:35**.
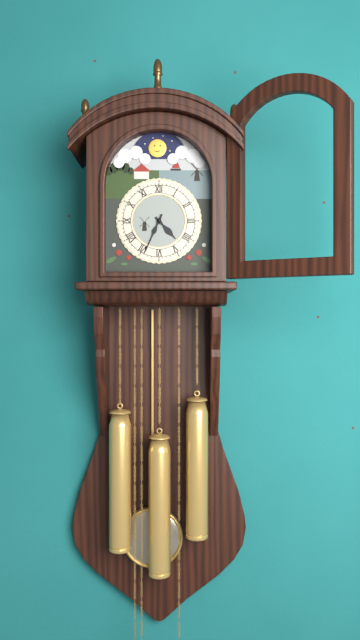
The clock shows **4:34**
